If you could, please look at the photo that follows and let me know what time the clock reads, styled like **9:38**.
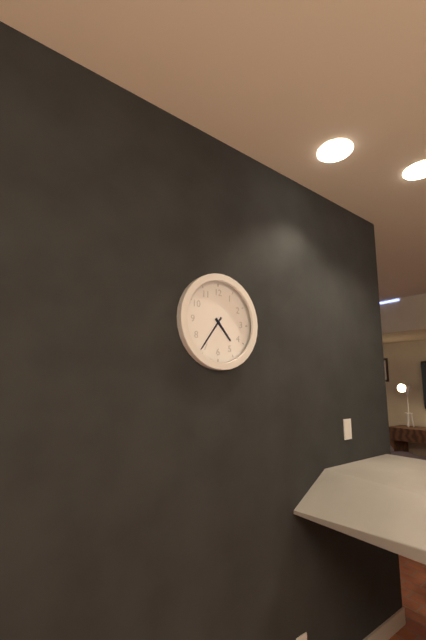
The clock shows **4:36**
